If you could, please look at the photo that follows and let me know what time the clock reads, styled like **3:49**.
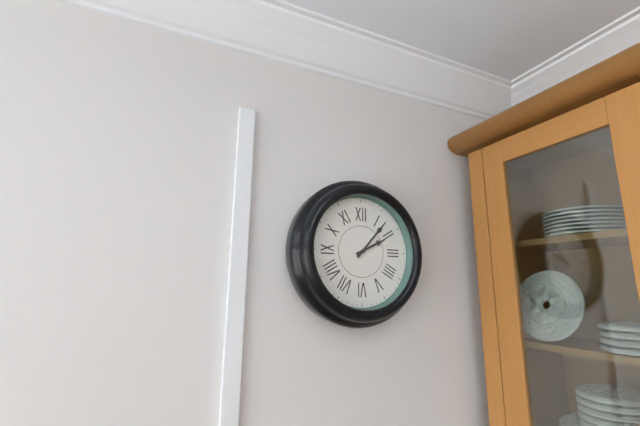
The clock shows **2:07**
